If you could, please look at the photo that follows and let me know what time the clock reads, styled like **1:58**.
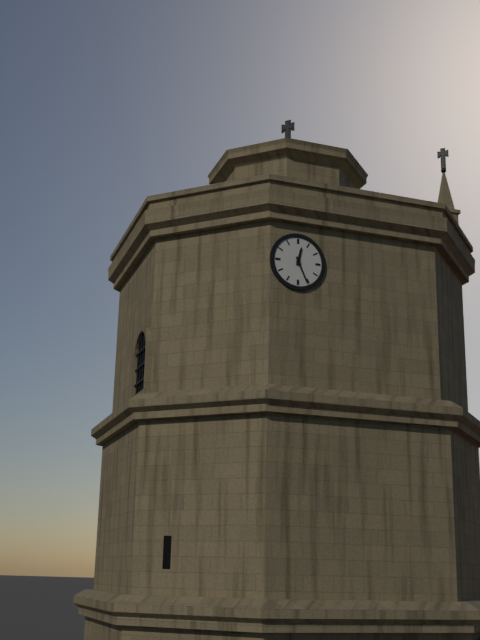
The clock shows **12:26**
